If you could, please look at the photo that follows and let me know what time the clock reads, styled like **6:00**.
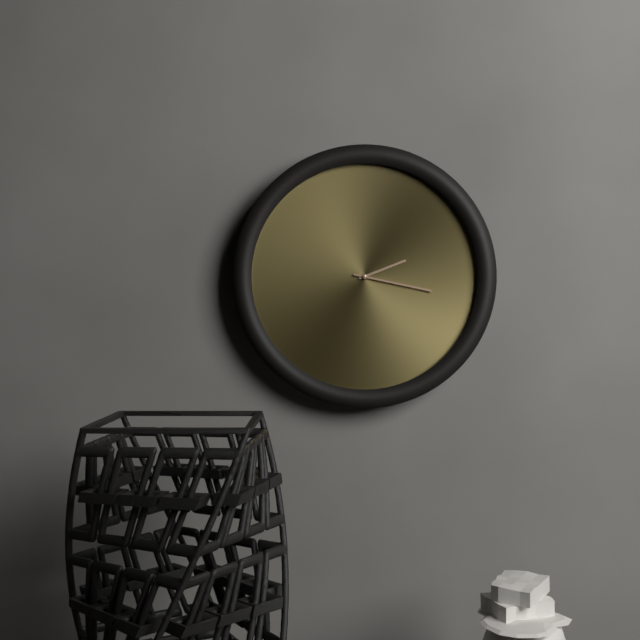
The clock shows **2:17**
